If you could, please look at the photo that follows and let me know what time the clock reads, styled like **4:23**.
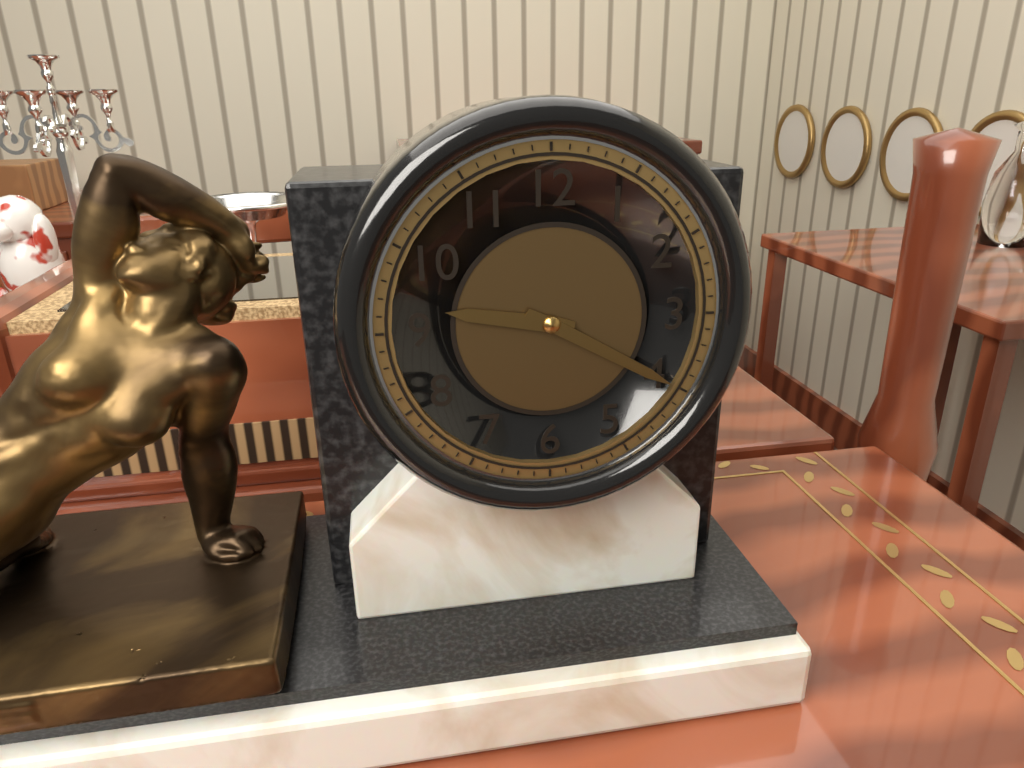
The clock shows **9:20**
